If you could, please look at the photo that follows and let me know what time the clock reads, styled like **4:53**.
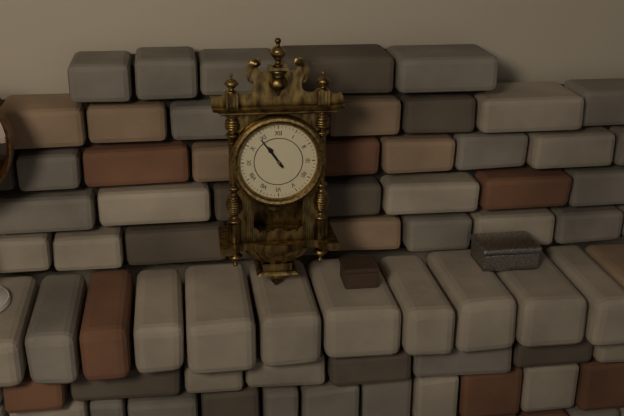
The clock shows **10:54**
